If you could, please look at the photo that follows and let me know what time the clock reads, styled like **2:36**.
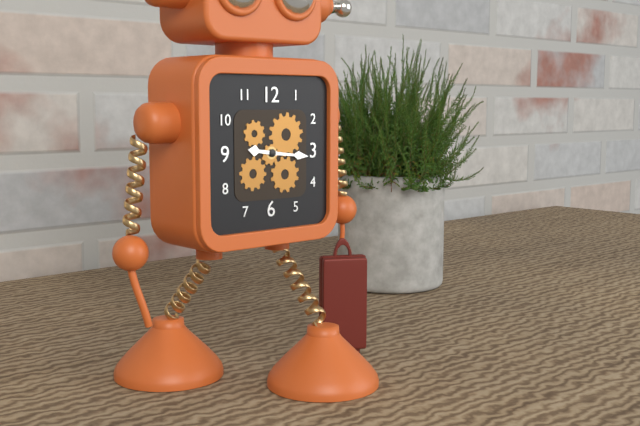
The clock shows **9:16**
